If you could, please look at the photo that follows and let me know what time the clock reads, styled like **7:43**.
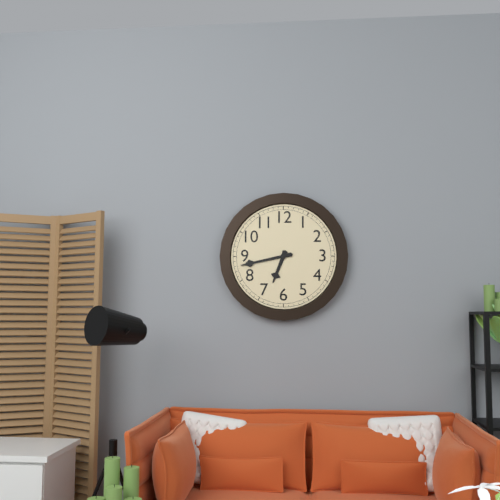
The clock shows **6:43**
